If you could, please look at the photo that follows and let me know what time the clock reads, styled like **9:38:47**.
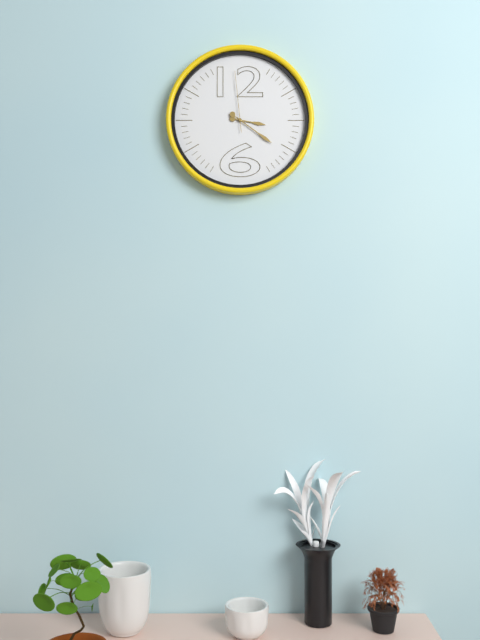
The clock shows **3:21:59**
